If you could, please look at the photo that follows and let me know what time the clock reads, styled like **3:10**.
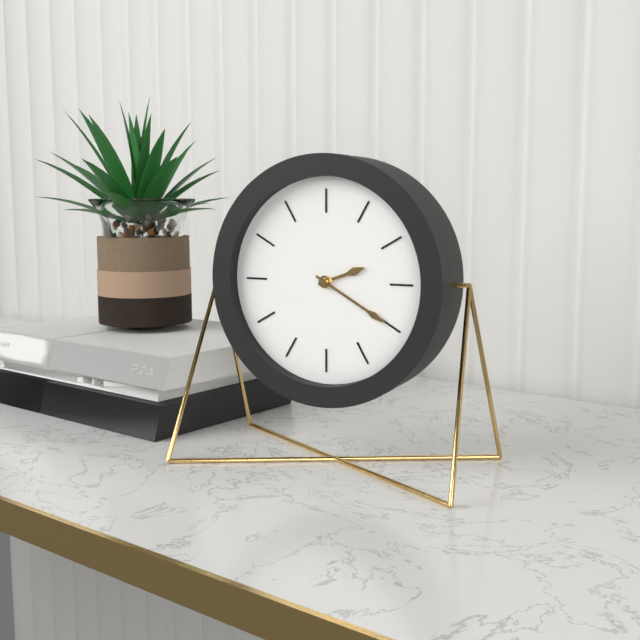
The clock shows **2:20**
